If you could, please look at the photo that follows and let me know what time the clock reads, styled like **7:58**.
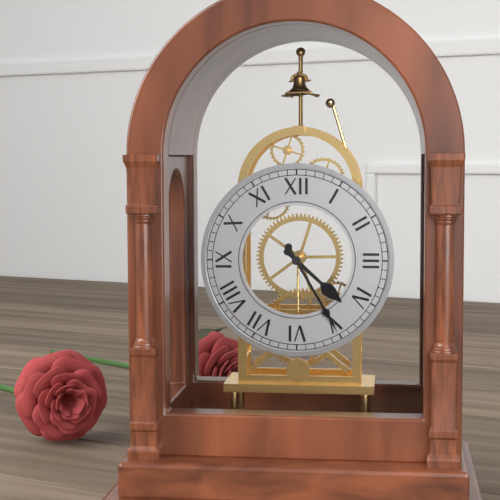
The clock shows **4:25**
